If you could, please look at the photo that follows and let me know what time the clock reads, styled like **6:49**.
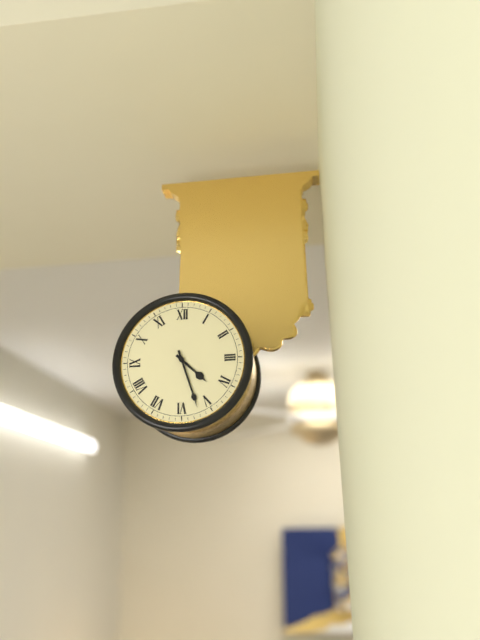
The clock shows **4:27**
